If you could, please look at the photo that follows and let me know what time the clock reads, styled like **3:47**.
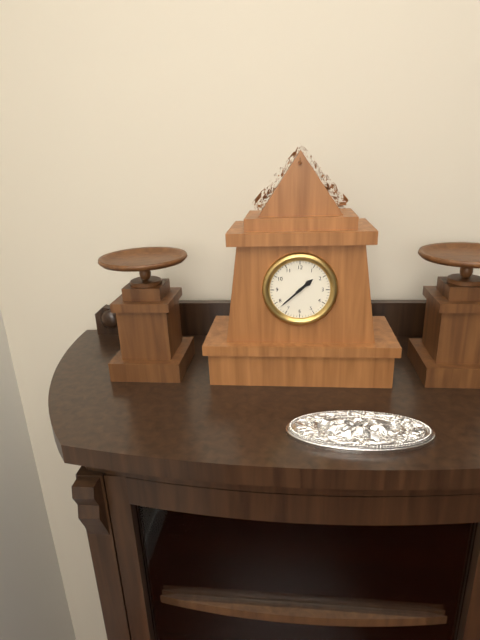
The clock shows **1:38**
